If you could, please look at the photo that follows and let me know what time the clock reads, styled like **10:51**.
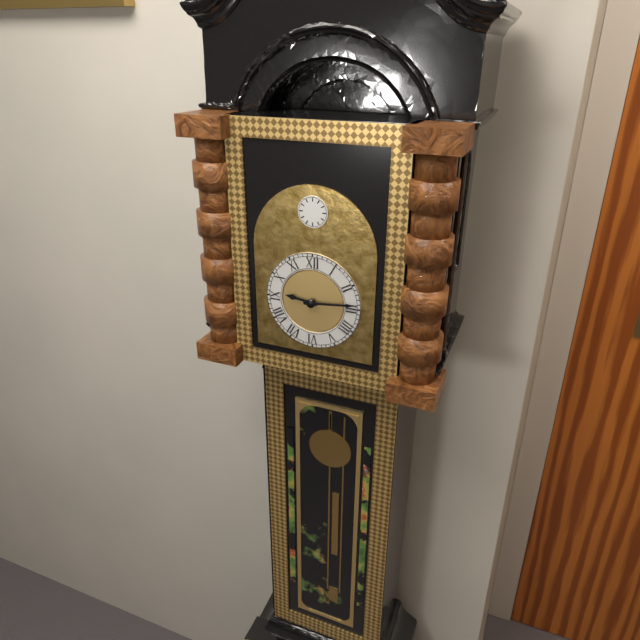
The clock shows **9:14**
